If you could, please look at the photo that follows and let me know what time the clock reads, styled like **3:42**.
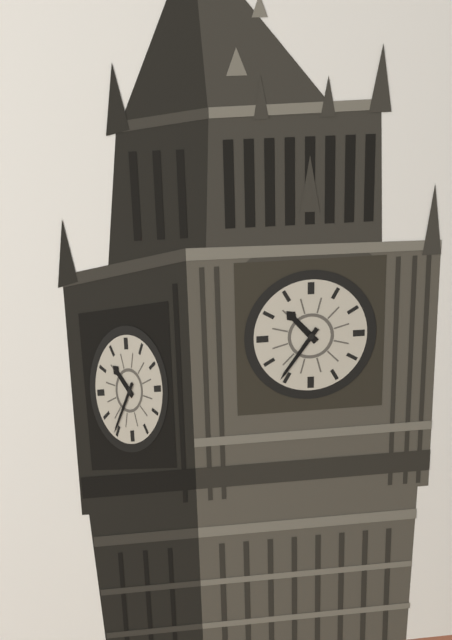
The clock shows **10:36**
